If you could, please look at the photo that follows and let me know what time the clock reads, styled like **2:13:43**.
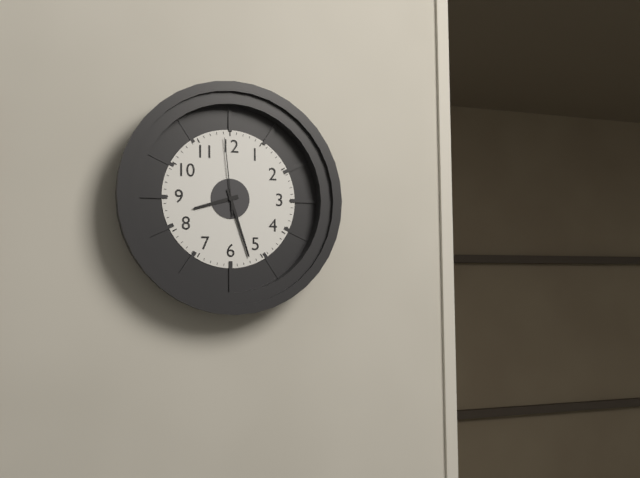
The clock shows **8:27:59**
